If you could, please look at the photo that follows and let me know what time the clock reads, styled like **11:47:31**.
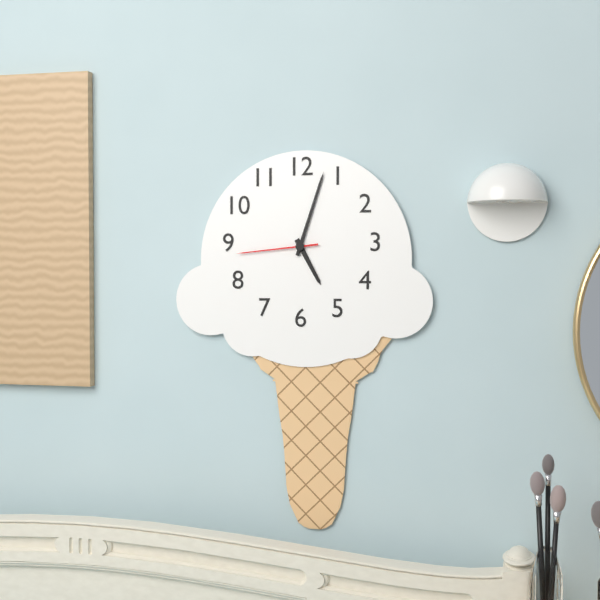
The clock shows **5:03:44**
